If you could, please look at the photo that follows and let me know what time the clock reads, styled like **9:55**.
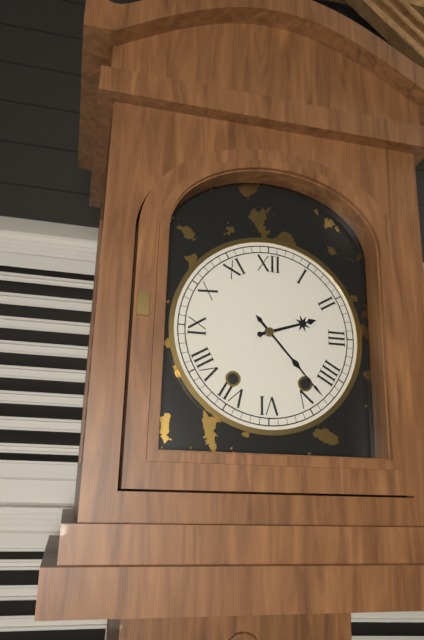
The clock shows **2:23**
